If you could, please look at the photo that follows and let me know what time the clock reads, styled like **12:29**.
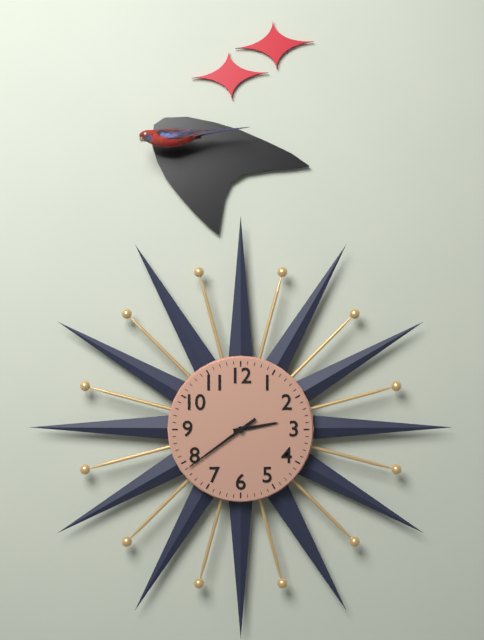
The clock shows **2:39**
